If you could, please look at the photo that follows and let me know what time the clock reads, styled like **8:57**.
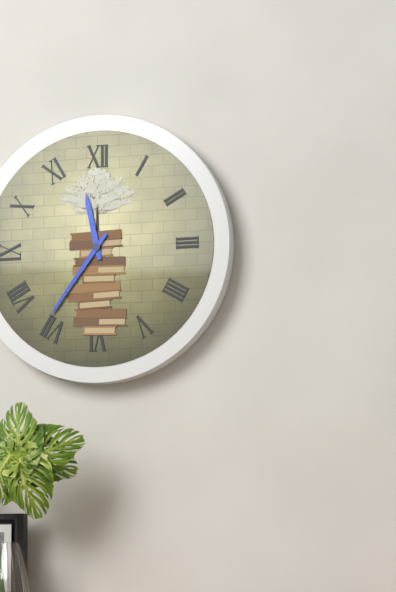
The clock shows **11:36**
